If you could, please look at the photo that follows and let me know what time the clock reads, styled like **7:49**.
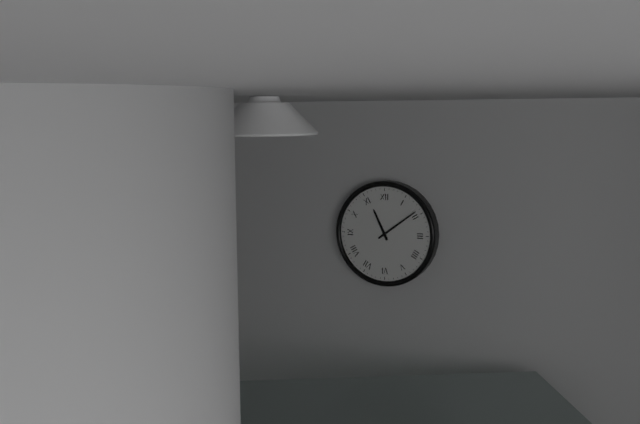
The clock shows **11:09**
